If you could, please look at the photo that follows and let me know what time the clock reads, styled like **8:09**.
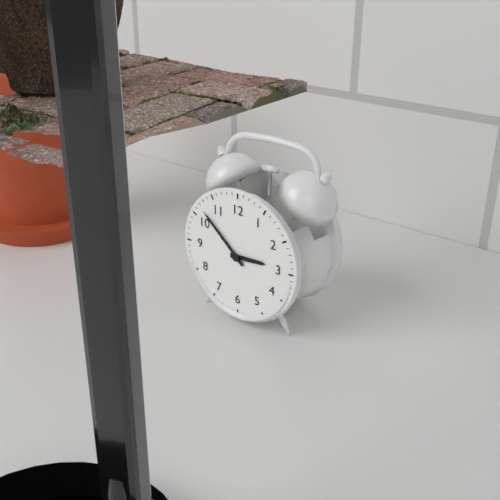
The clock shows **2:52**
